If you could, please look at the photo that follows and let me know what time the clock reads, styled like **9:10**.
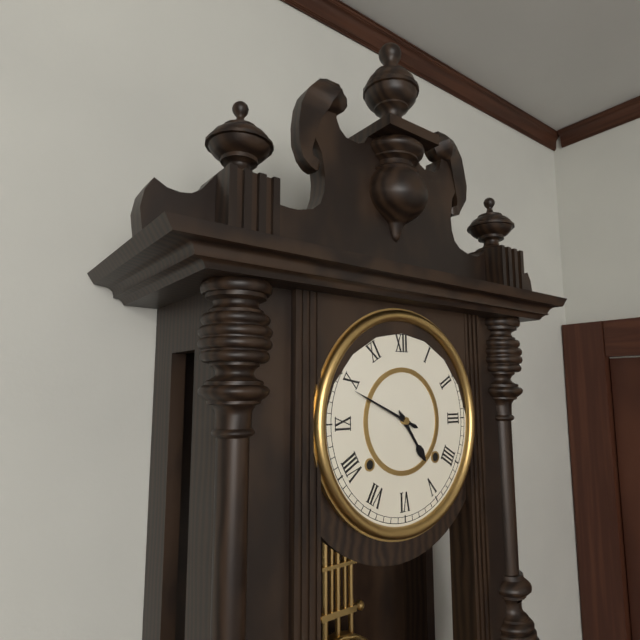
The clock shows **4:49**
